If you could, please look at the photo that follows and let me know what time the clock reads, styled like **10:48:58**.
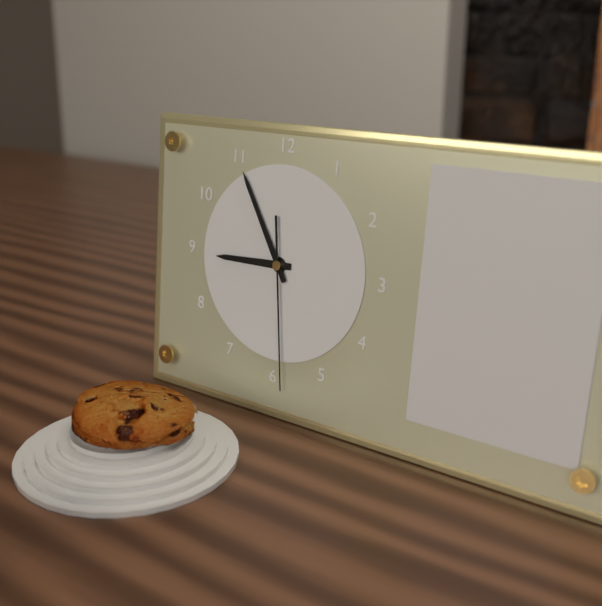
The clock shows **8:55:29**
